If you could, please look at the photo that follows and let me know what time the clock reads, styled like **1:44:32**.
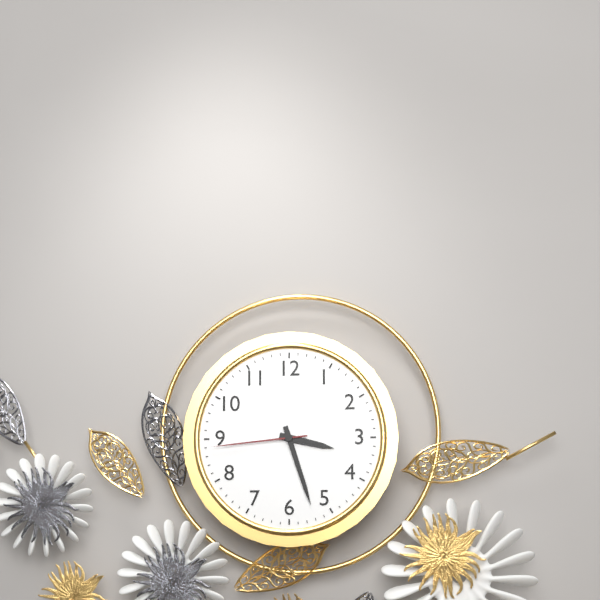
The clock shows **3:27:44**
